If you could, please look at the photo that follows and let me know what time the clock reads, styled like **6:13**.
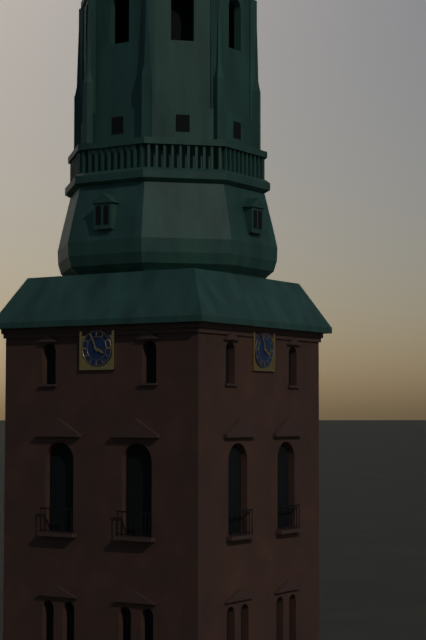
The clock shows **3:56**
